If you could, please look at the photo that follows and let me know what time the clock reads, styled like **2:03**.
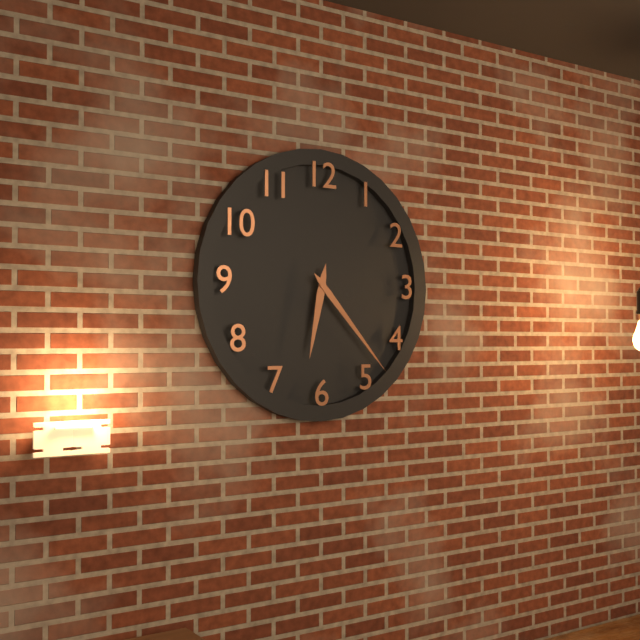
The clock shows **6:23**
